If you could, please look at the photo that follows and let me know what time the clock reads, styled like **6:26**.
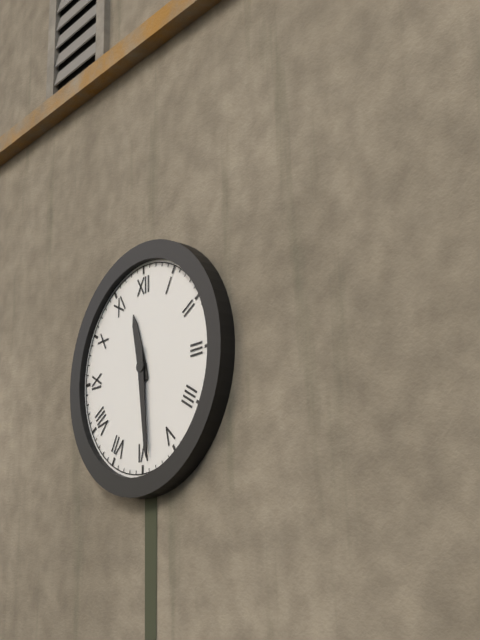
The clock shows **11:29**
